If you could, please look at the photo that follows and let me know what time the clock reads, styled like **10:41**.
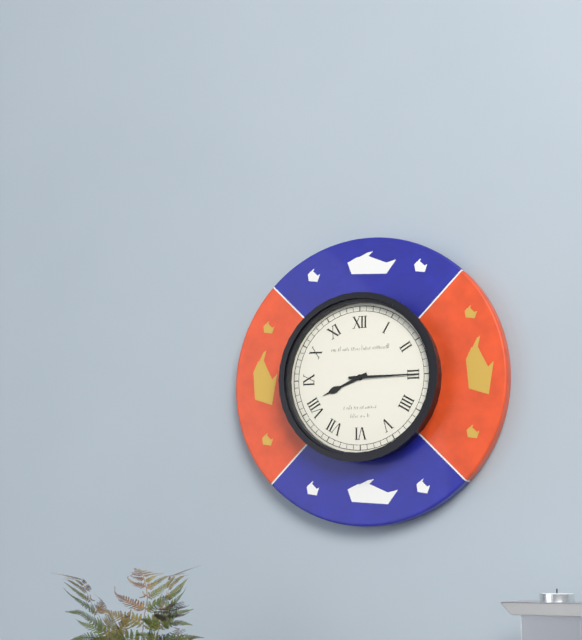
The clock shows **8:15**
